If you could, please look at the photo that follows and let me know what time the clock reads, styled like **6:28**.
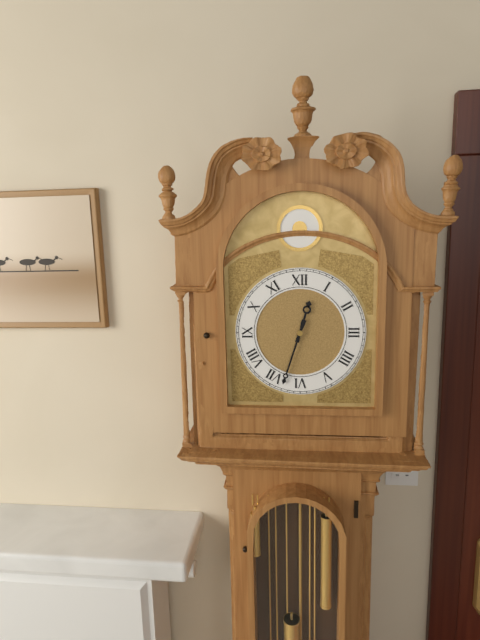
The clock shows **12:33**
